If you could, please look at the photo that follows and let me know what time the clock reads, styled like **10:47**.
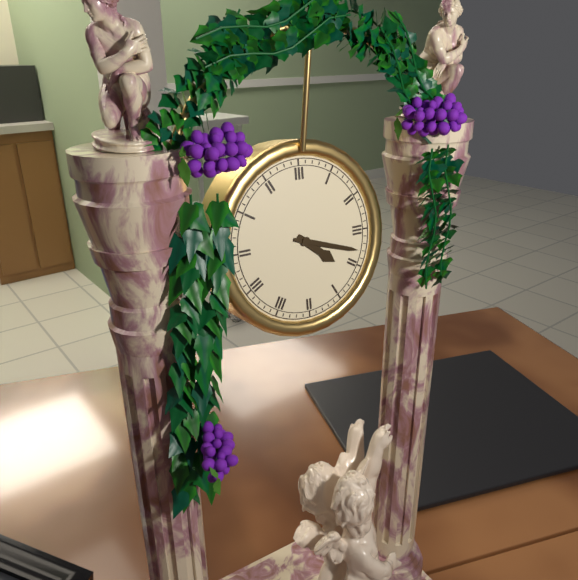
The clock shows **4:18**
